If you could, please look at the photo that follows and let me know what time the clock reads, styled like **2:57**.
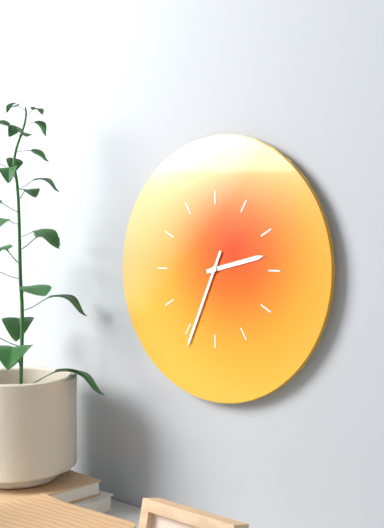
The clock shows **2:34**
